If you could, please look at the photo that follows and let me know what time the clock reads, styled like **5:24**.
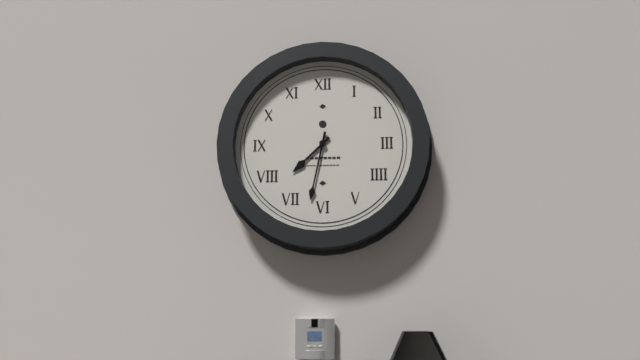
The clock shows **7:32**
